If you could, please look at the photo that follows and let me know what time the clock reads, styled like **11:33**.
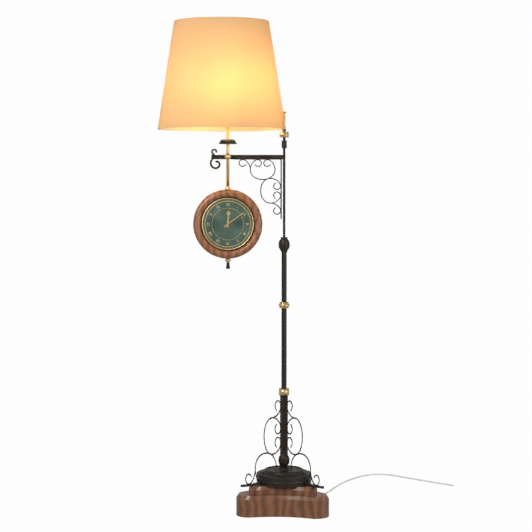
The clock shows **12:09**
